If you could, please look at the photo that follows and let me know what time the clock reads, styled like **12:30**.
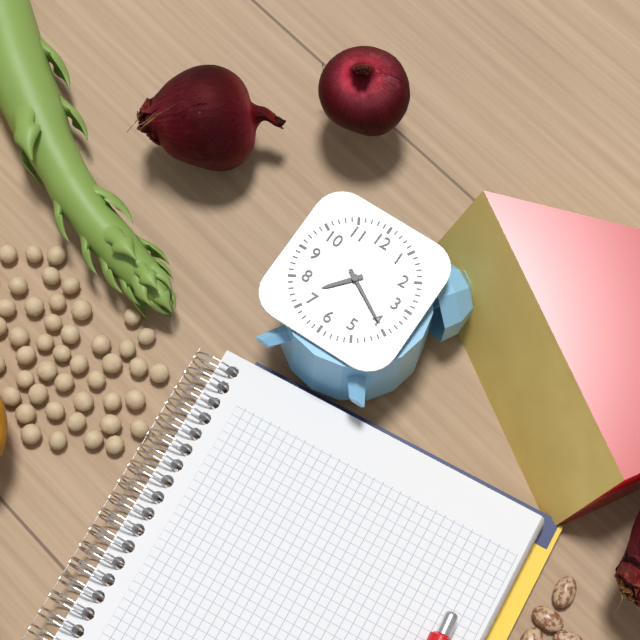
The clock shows **7:20**
